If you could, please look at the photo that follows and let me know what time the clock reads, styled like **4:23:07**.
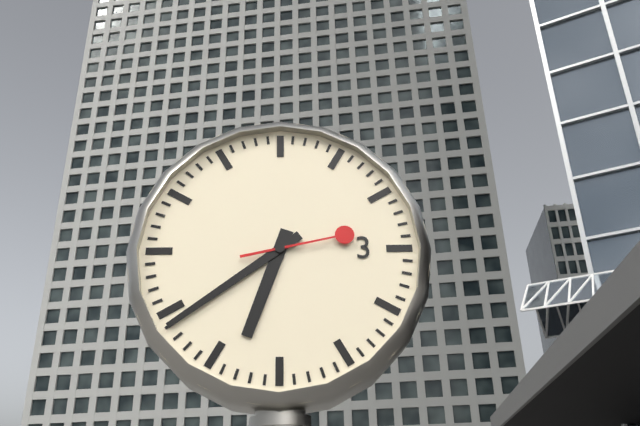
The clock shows **6:39:13**
